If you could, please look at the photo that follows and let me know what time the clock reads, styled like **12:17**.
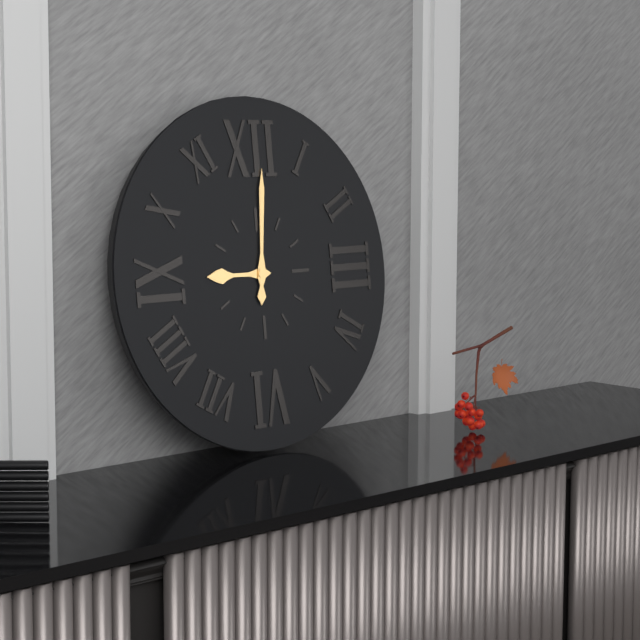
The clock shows **9:01**
